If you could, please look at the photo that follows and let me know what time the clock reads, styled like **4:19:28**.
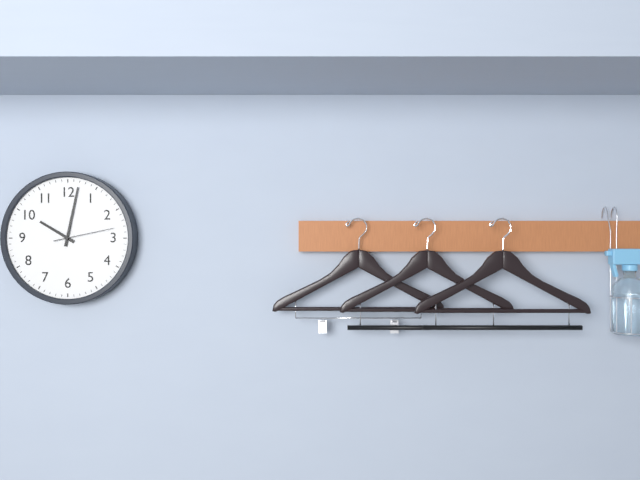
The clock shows **10:02:13**
